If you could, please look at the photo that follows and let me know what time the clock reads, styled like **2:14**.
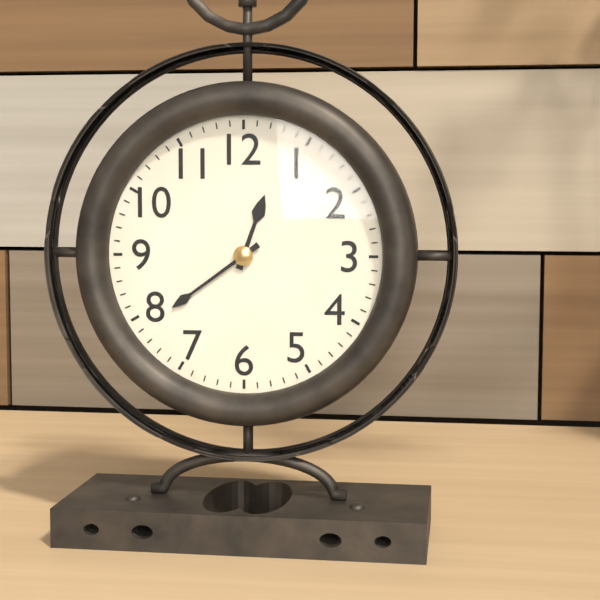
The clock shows **12:39**
